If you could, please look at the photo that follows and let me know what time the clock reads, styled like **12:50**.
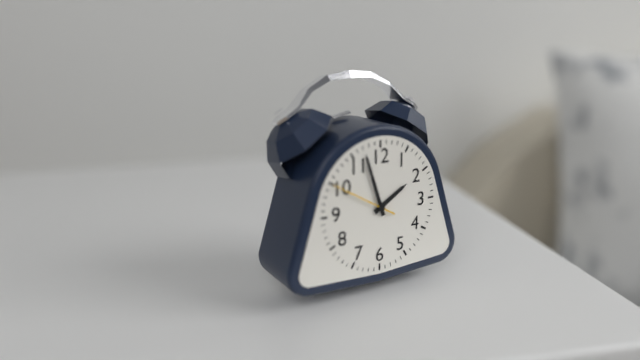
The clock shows **1:57**
